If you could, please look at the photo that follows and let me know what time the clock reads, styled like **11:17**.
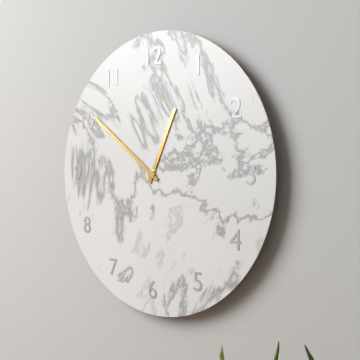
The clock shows **12:51**
